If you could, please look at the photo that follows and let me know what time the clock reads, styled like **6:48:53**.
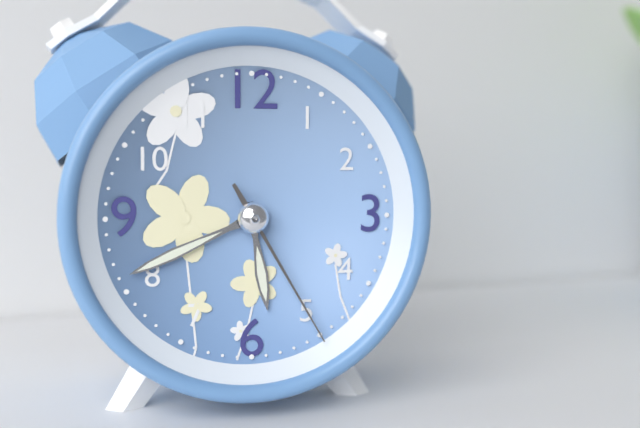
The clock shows **5:41:25**
